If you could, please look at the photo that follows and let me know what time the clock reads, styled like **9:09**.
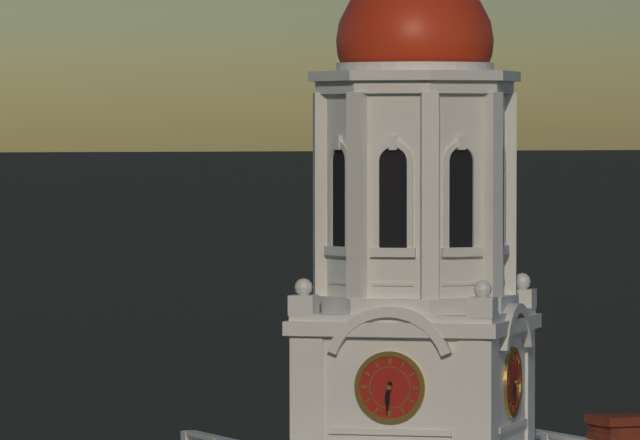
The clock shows **6:31**
